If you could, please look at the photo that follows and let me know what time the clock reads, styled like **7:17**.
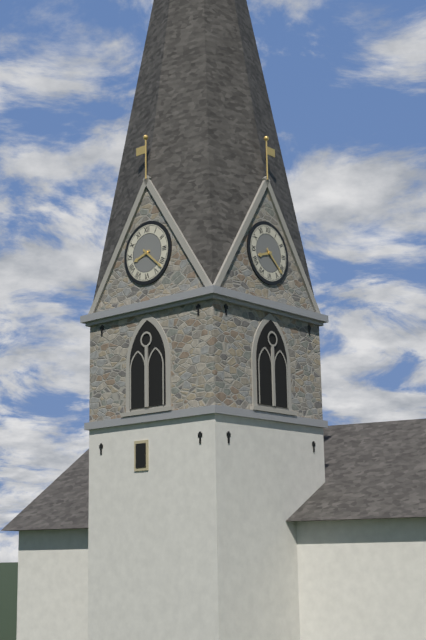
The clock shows **8:22**
